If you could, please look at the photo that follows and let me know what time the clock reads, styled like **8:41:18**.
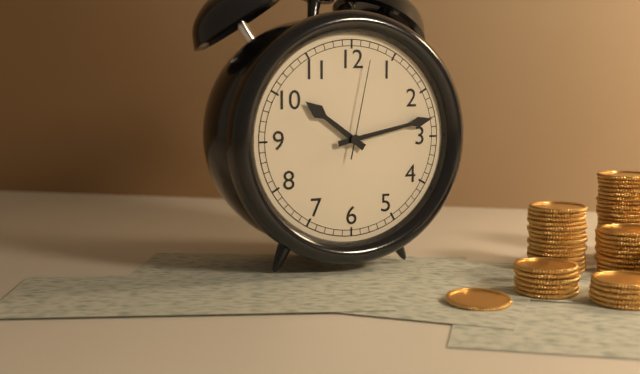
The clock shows **10:13:02**
